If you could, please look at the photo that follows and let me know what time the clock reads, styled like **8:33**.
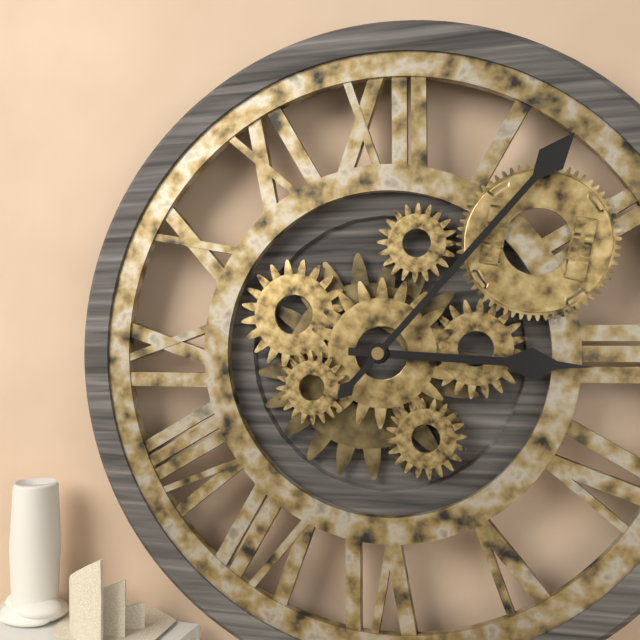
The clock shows **3:07**
